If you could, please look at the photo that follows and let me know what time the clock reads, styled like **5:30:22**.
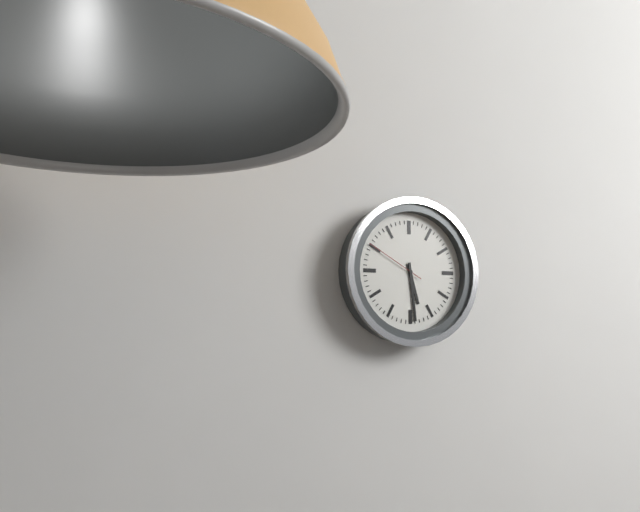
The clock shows **5:29:50**
